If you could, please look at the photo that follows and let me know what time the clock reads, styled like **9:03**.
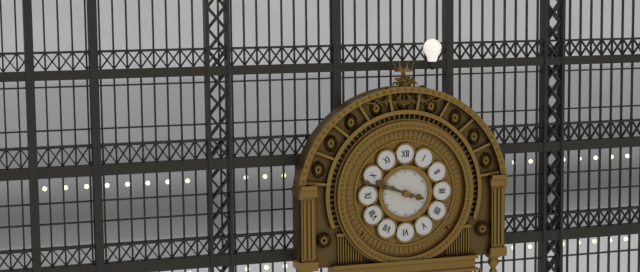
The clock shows **9:48**
